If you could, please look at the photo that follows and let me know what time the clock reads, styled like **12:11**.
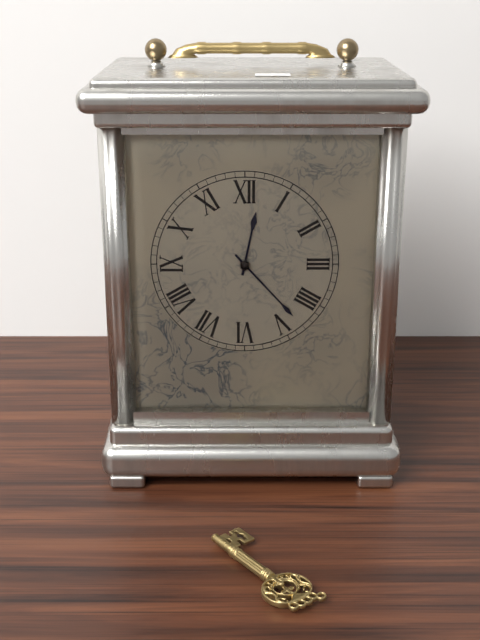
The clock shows **12:23**
